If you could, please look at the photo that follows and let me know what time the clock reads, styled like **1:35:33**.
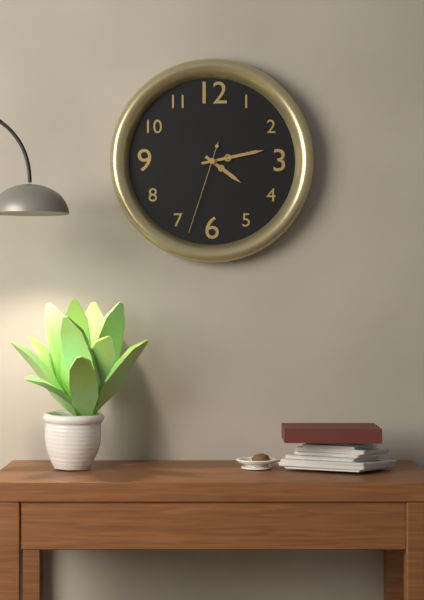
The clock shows **4:13:33**
